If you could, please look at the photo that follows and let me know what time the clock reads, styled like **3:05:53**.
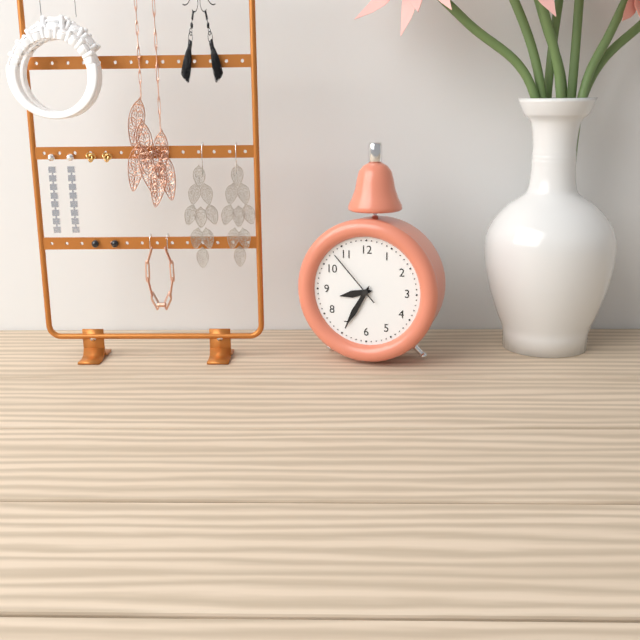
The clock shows **8:35:53**
